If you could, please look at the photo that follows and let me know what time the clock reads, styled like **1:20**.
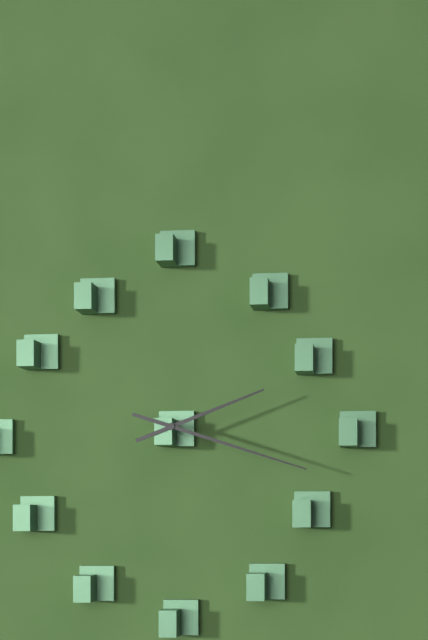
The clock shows **2:18**
